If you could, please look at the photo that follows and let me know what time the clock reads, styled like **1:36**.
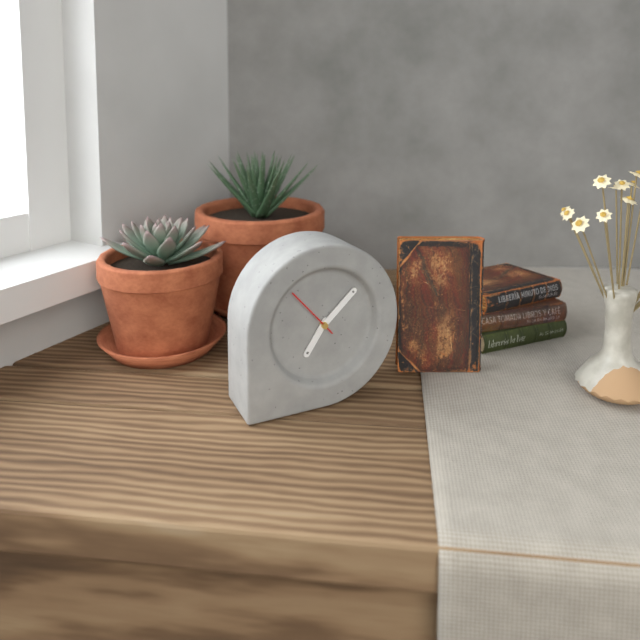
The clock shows **7:08**
